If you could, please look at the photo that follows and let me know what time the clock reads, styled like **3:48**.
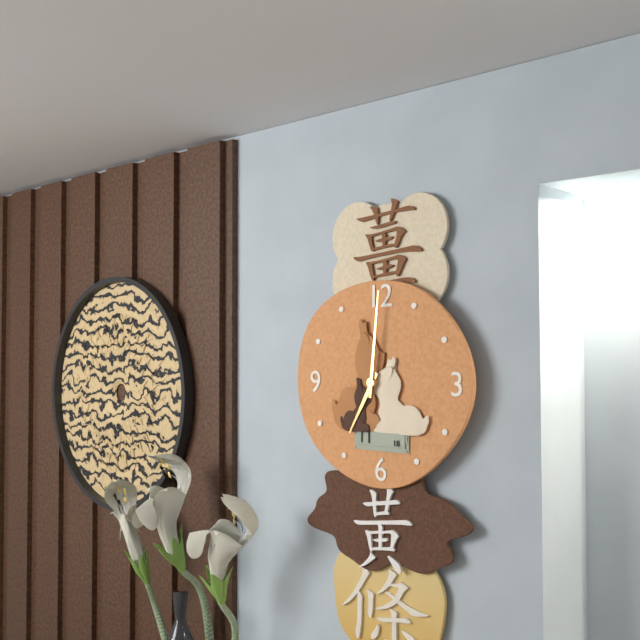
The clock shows **7:01**
